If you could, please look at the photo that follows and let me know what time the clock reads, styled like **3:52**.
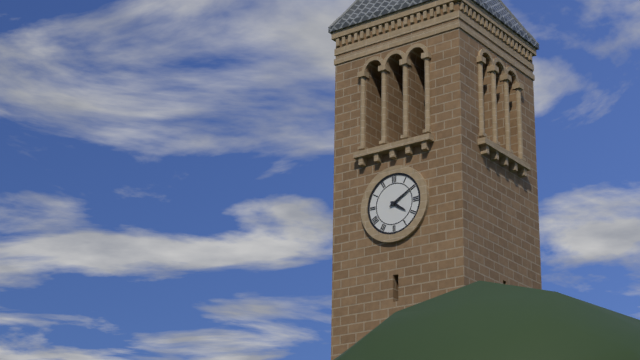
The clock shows **4:10**
